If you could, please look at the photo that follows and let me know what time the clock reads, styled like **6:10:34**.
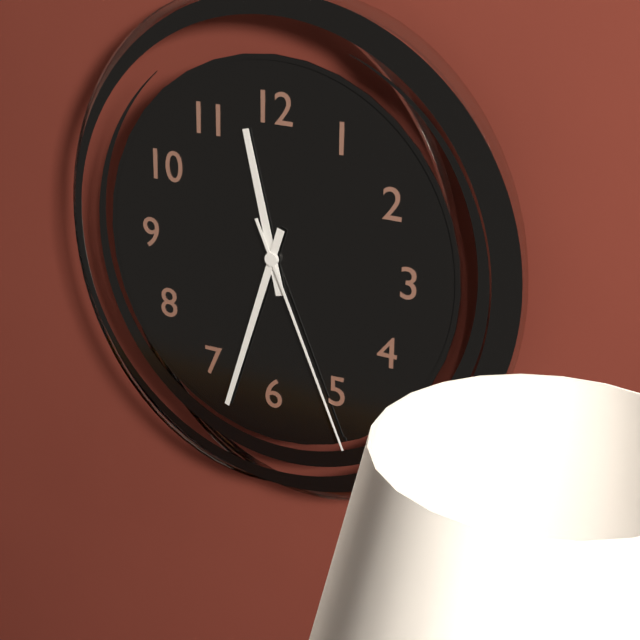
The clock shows **11:33:26**
